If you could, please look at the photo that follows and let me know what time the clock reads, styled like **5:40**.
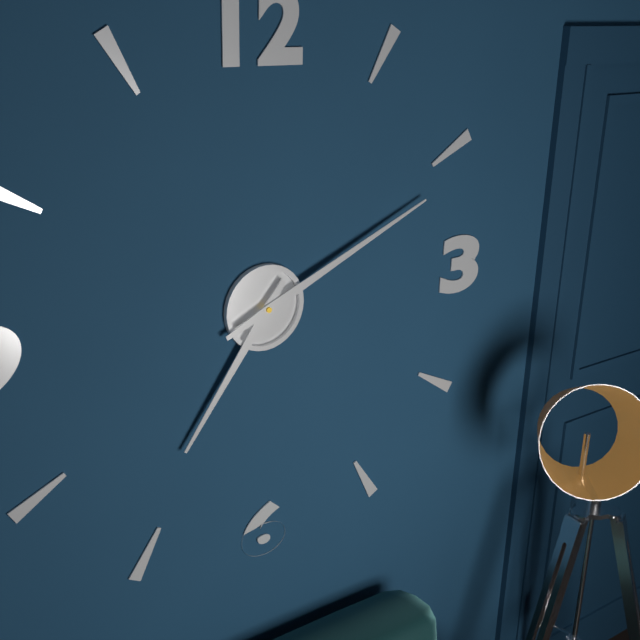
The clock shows **7:11**
